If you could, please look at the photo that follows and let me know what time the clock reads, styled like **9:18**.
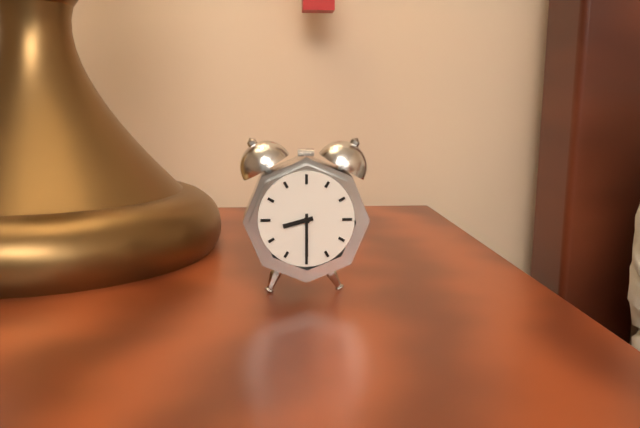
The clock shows **8:30**
